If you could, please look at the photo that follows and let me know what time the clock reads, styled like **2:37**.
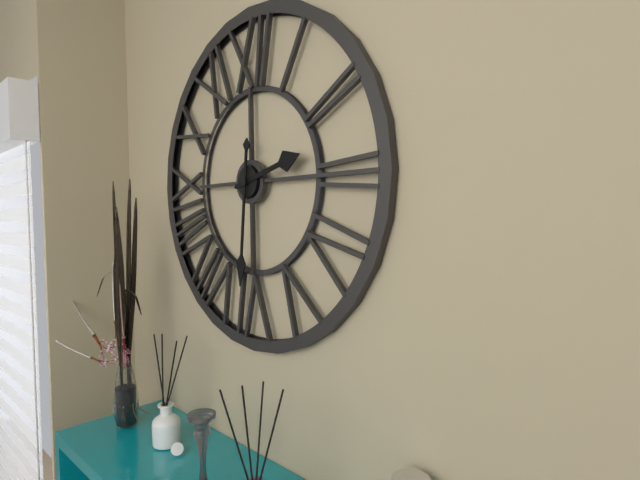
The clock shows **2:31**
